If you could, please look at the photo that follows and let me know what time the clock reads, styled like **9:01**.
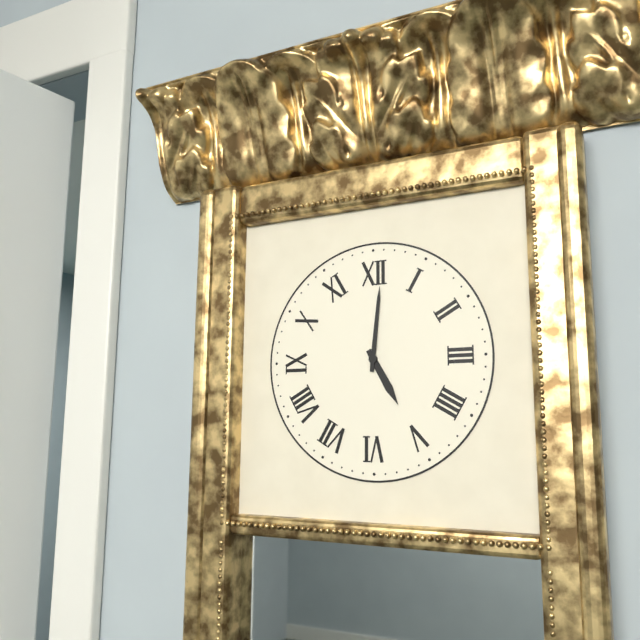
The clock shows **5:01**
